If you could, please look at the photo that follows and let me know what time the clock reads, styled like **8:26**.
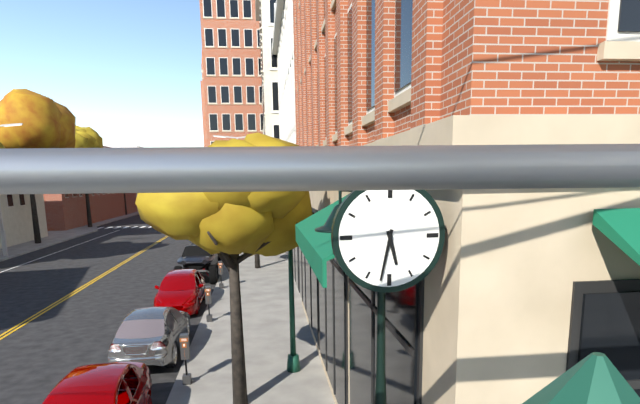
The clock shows **5:32**
